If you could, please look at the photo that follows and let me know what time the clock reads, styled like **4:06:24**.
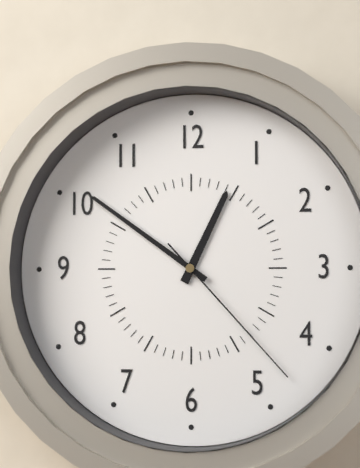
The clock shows **12:51:23**
